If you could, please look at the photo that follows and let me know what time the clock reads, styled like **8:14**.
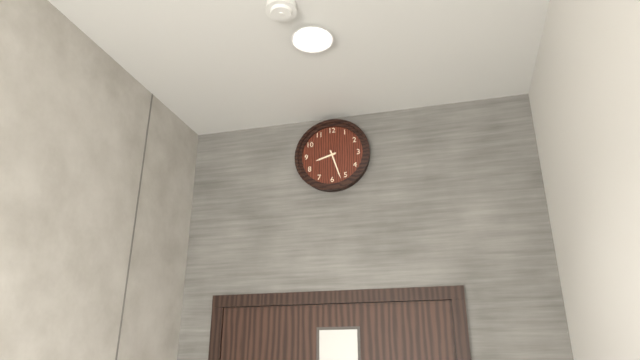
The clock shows **8:27**
